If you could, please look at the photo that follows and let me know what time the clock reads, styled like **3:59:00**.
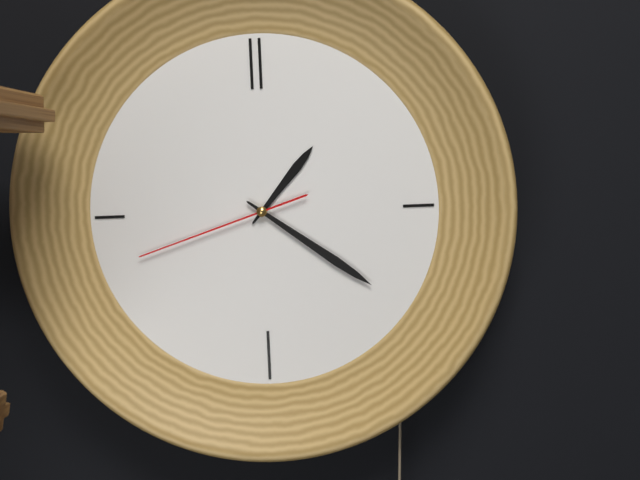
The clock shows **1:21:42**
